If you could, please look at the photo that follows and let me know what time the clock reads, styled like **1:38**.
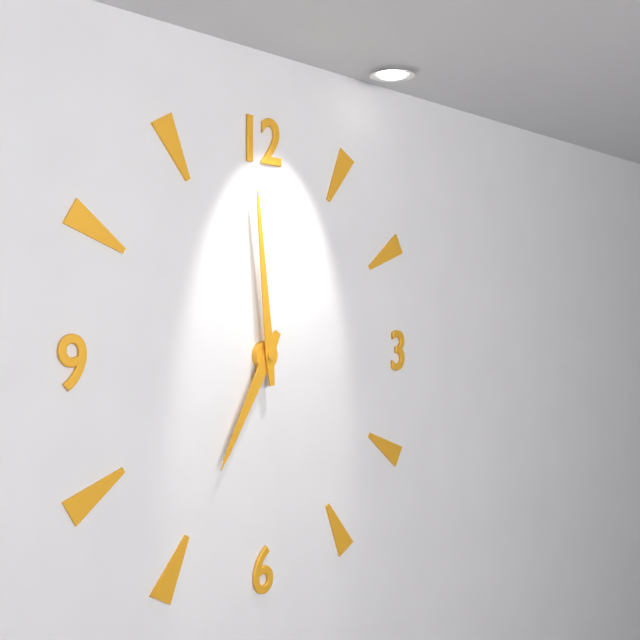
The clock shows **6:59**
